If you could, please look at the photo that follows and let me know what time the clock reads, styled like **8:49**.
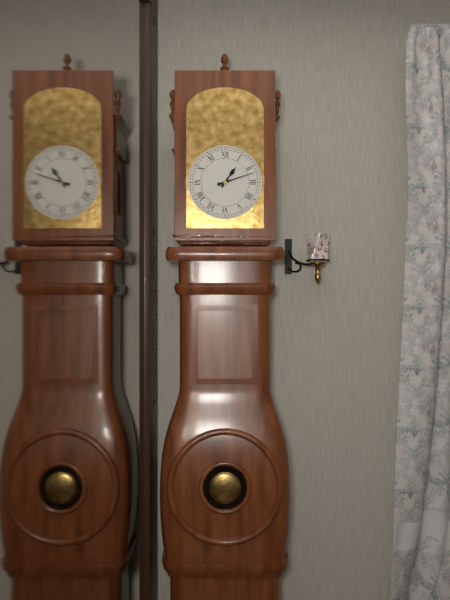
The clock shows **1:12**
